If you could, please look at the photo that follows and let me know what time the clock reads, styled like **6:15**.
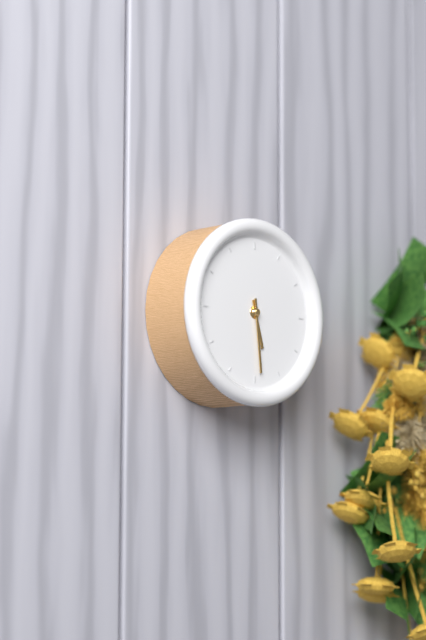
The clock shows **5:29**
